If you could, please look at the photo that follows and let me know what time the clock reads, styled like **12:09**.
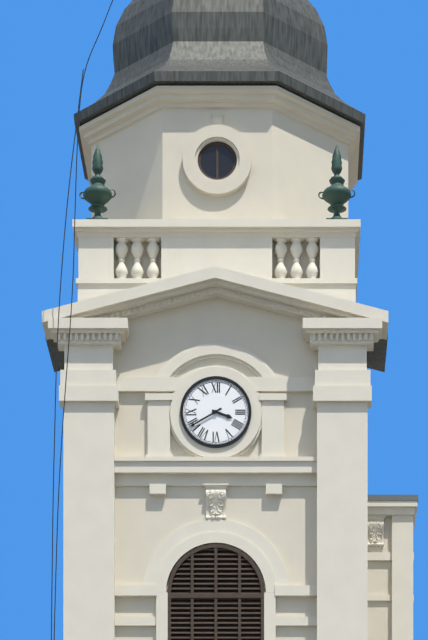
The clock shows **3:40**
